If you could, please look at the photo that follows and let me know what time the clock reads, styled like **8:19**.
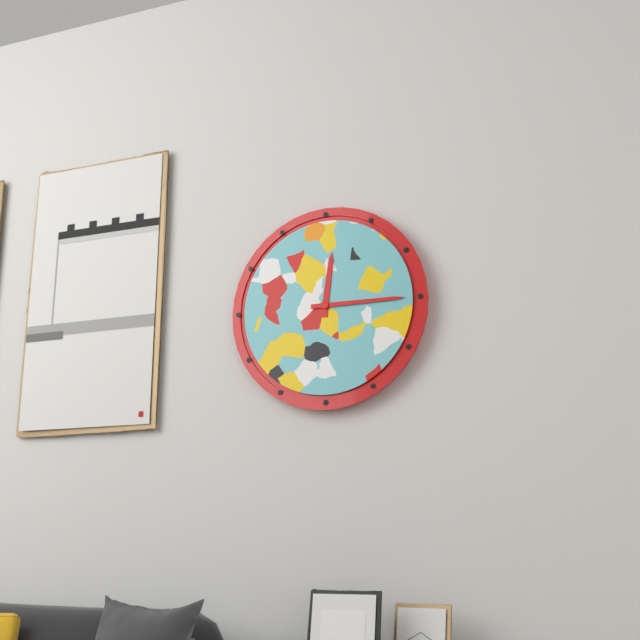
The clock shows **12:15**
